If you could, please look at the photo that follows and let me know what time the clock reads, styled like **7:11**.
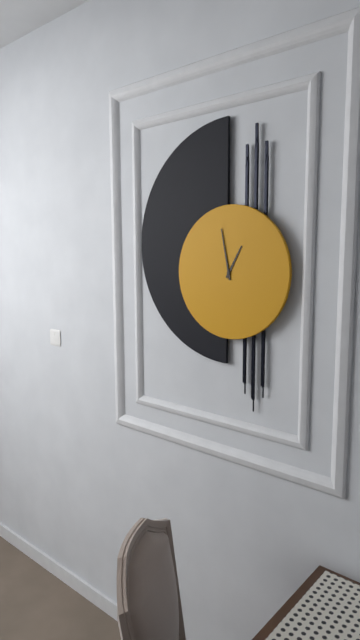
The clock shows **12:58**
